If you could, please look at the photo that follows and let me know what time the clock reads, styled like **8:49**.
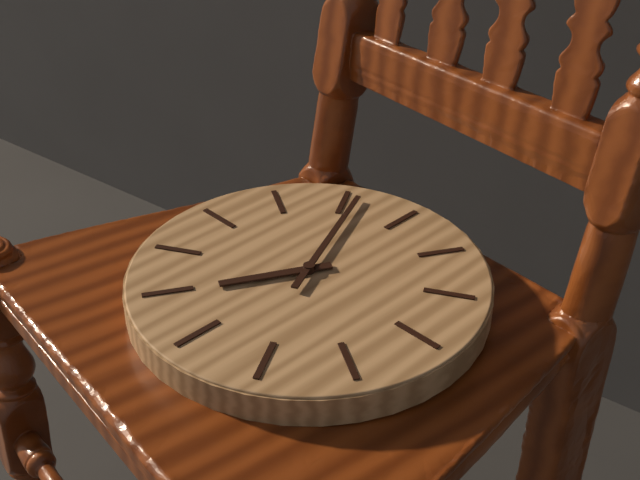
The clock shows **6:56**
